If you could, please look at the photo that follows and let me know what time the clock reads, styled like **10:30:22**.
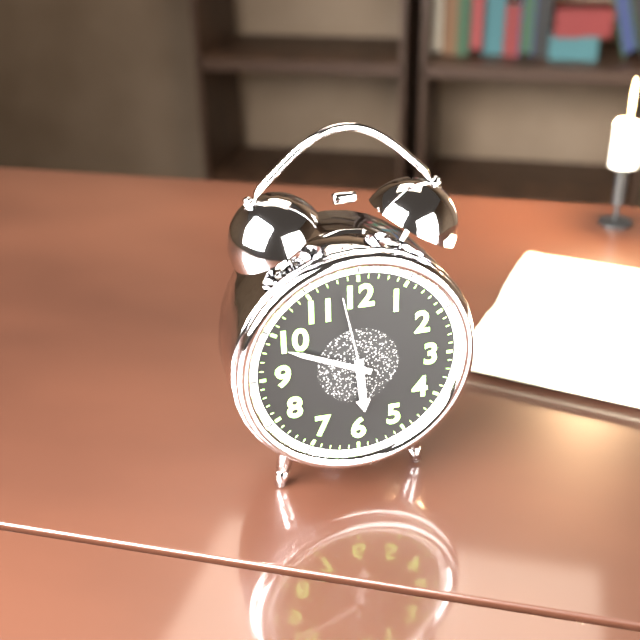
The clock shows **5:49:58**
